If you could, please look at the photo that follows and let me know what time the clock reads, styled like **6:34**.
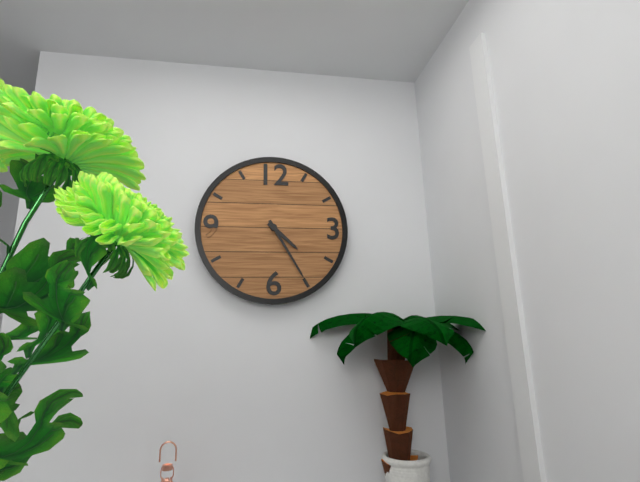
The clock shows **4:25**
